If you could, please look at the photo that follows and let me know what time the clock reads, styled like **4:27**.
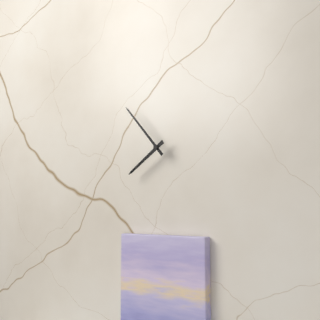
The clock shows **7:53**
